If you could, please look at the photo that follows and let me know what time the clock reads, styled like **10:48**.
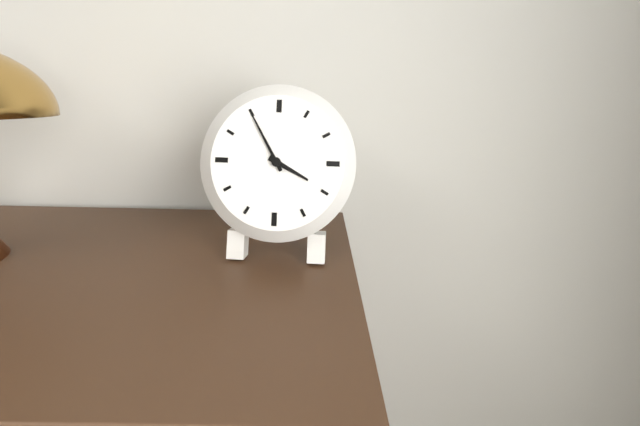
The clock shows **3:55**
